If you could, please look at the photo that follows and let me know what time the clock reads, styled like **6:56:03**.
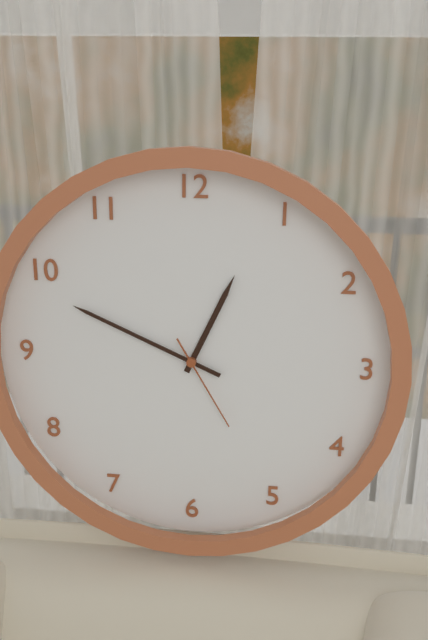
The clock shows **12:49:25**
